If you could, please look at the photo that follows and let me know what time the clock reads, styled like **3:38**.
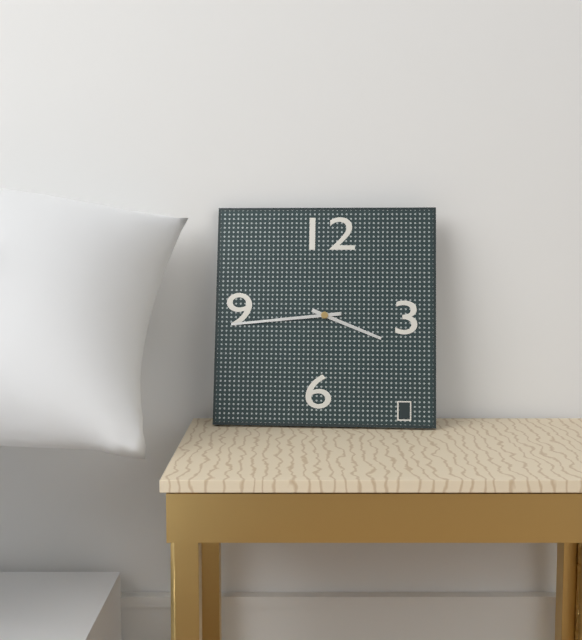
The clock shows **3:44**
